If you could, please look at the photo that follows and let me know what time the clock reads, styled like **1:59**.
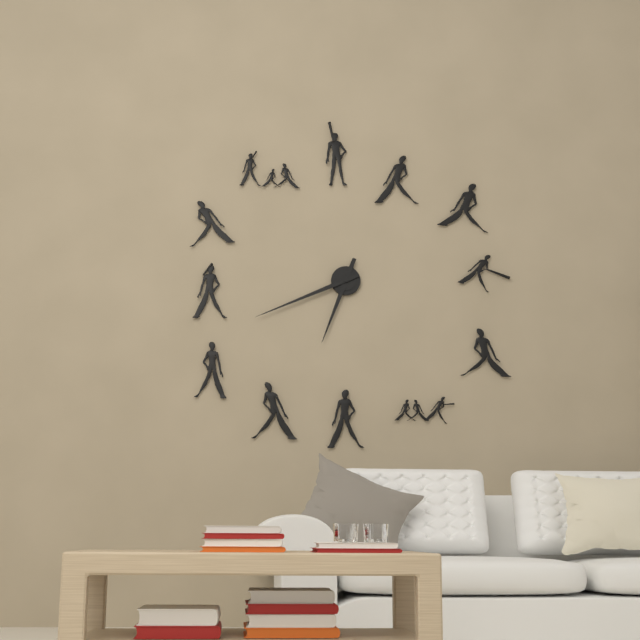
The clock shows **6:41**
